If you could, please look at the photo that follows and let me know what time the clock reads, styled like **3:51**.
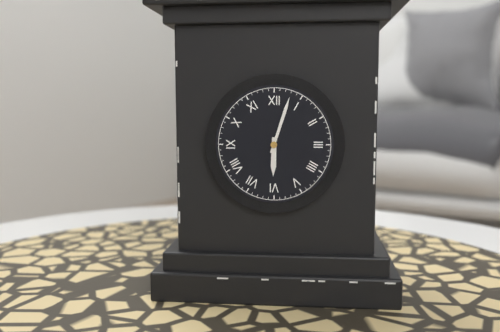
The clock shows **6:03**
